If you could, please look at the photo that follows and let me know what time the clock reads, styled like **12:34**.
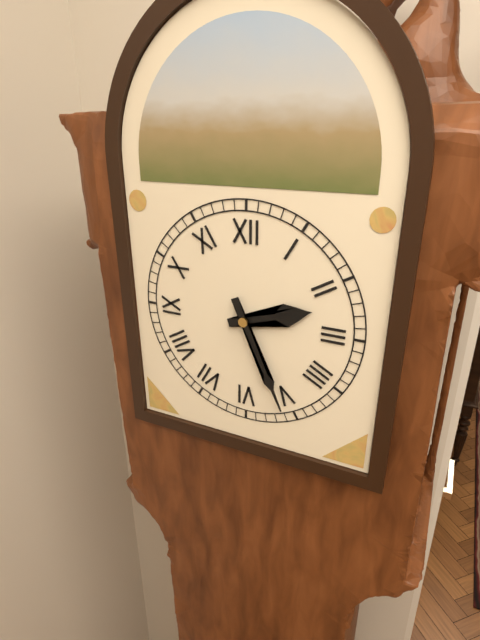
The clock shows **2:26**
